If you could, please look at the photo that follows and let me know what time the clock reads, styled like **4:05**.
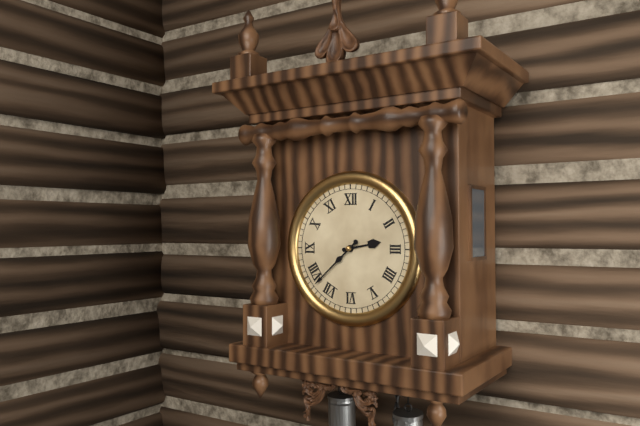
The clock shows **2:38**
